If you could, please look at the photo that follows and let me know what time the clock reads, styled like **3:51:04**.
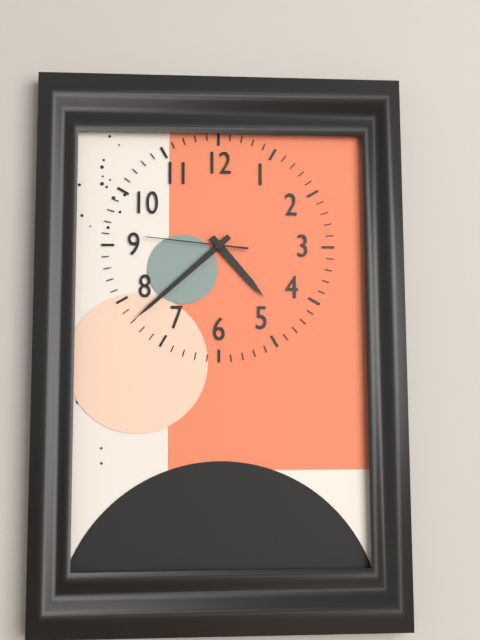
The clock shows **4:38:46**
